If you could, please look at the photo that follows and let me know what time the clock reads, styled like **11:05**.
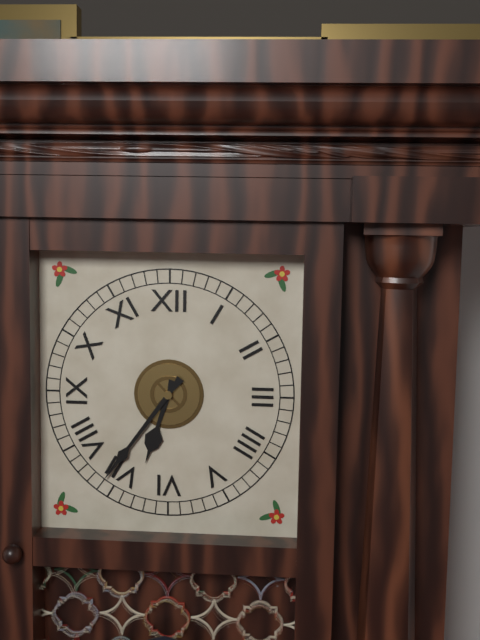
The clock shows **6:36**
